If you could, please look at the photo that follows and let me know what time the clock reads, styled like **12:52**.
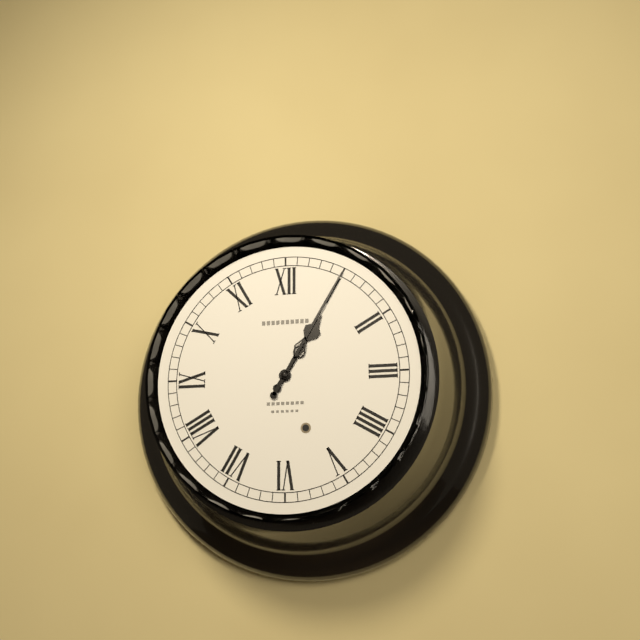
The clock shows **1:05**
